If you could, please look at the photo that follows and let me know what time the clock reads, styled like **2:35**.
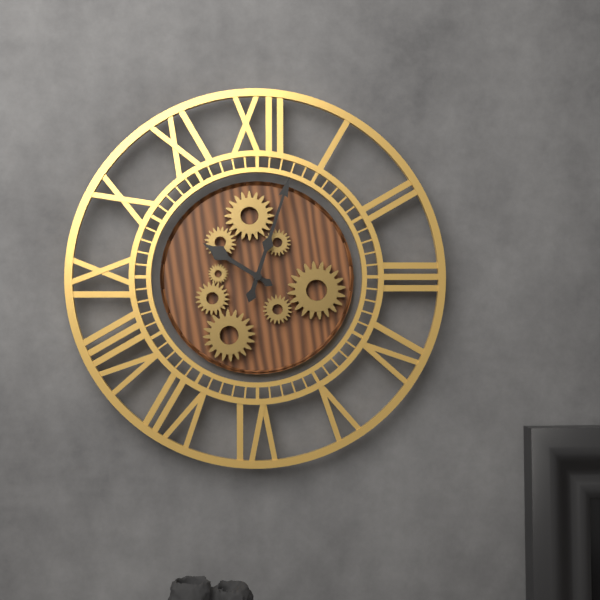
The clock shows **10:03**
